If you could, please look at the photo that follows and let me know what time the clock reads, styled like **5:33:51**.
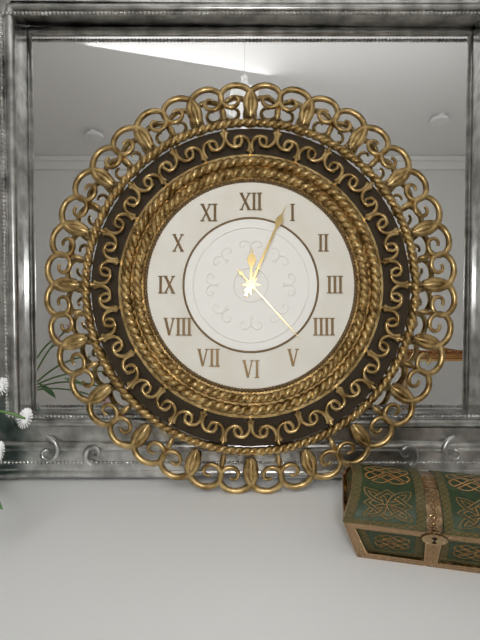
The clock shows **12:04:23**
